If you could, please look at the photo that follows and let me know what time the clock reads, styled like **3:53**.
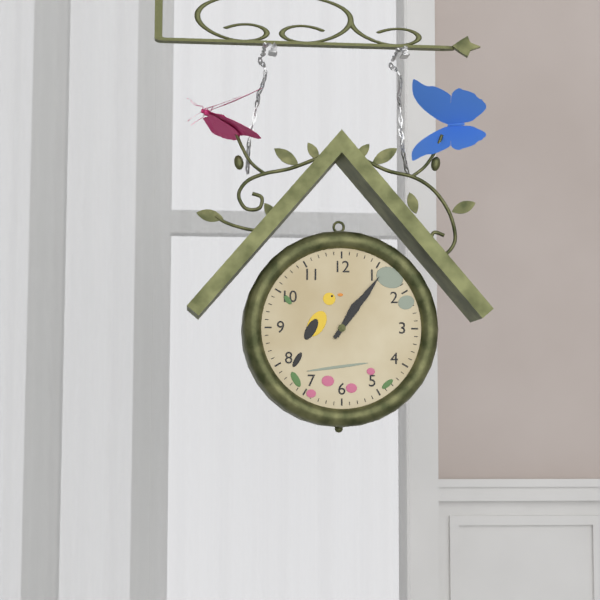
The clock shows **1:06**
